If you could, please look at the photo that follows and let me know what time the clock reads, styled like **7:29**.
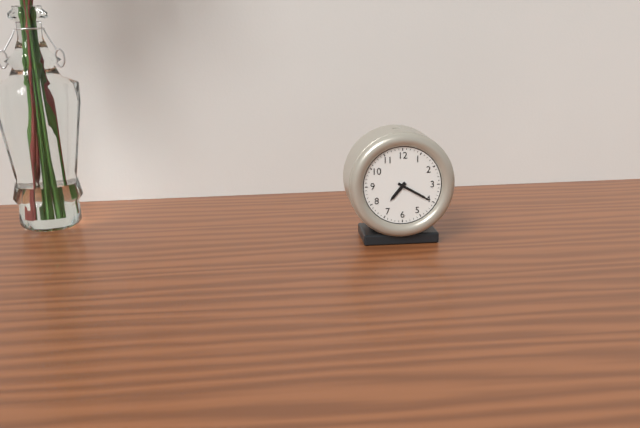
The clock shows **7:20**
